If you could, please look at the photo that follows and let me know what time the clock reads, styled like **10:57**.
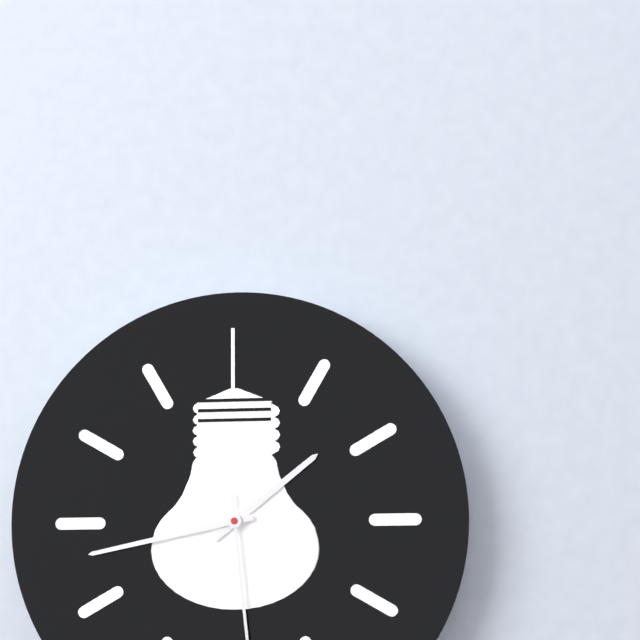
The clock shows **1:43**
